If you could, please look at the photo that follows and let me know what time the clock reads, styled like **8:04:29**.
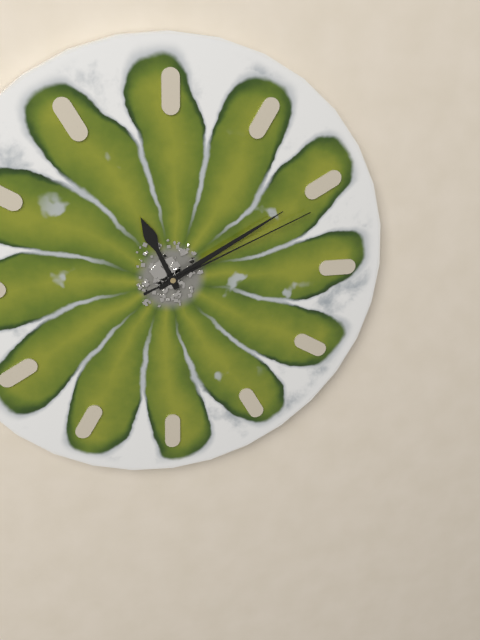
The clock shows **11:10:11**
